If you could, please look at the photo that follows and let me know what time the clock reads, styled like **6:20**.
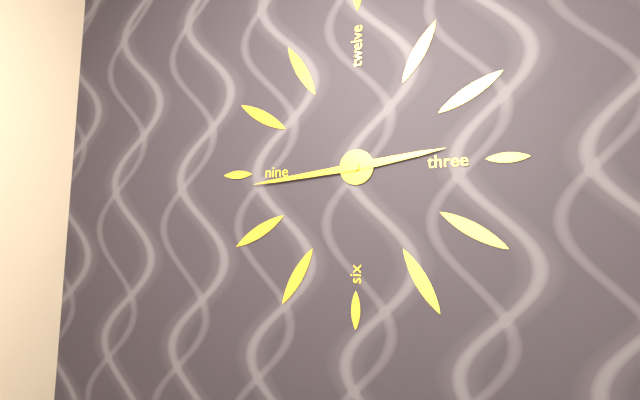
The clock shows **2:44**
